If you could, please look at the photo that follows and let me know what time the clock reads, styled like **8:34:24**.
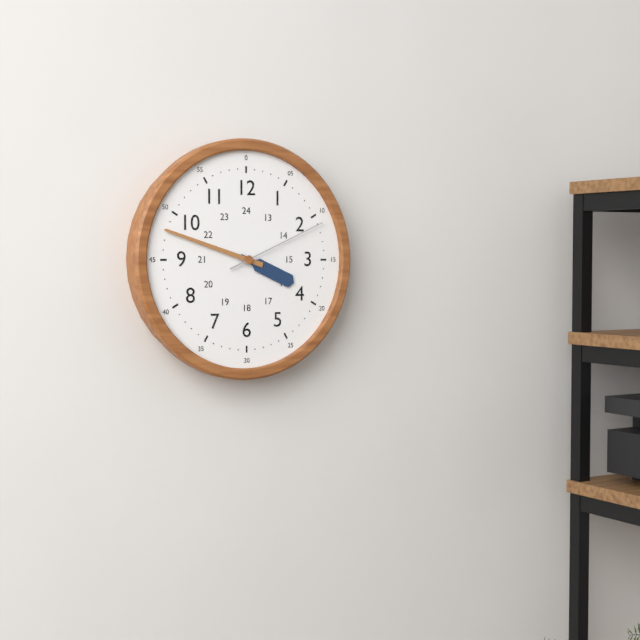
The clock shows **3:48:11**
